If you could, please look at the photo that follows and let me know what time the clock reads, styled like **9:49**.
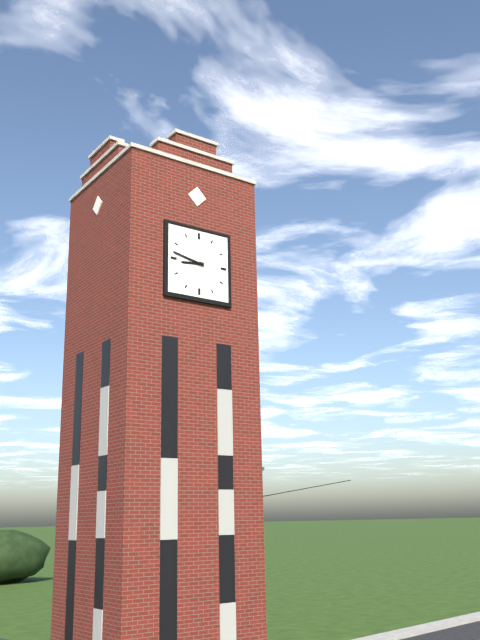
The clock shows **8:47**
